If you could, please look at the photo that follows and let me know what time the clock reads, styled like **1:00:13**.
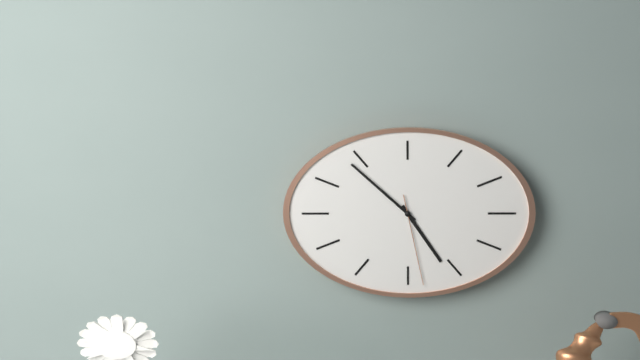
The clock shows **4:52:28**
